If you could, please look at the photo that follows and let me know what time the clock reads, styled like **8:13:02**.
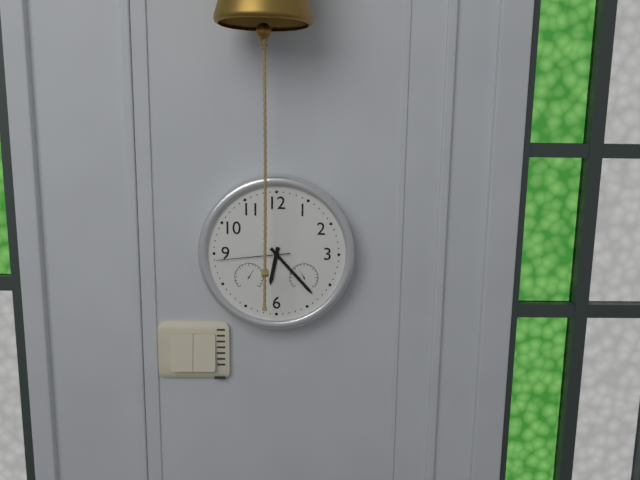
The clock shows **6:23:44**
